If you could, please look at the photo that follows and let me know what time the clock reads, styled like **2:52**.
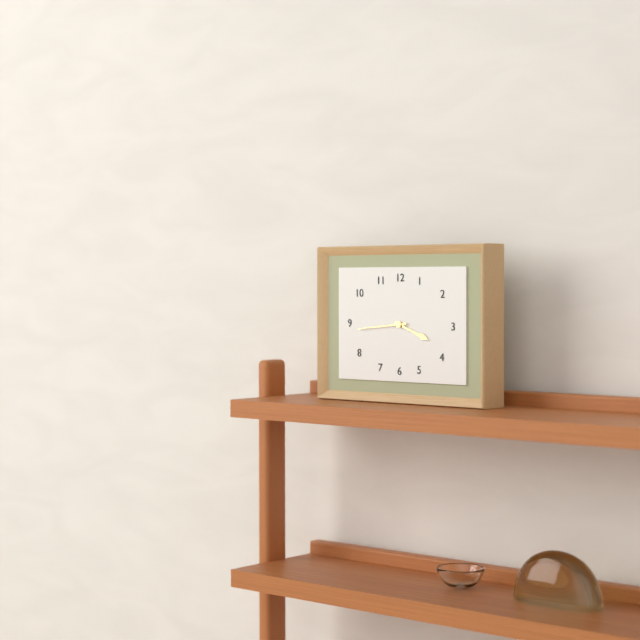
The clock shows **3:44**
